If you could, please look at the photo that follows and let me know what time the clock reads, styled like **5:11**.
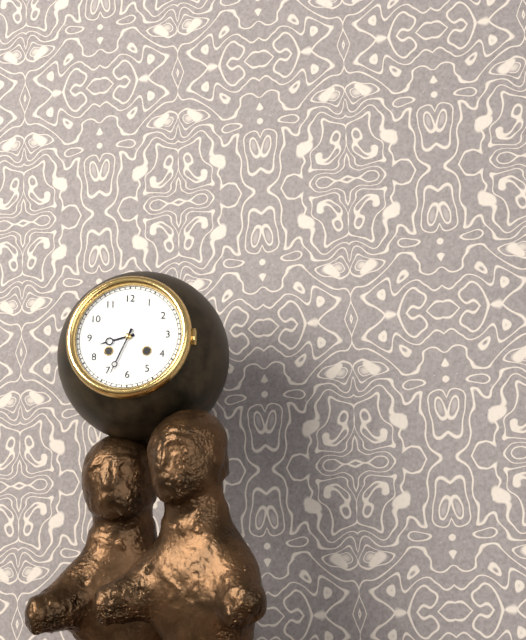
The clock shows **8:34**
